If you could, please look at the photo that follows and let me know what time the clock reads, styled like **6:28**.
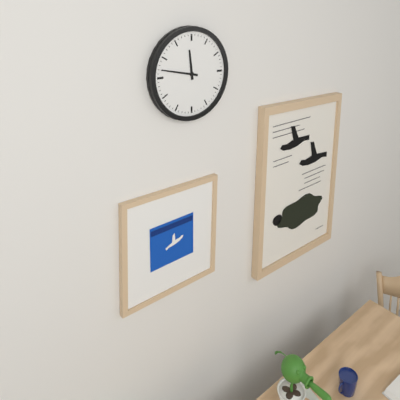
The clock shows **11:47**
